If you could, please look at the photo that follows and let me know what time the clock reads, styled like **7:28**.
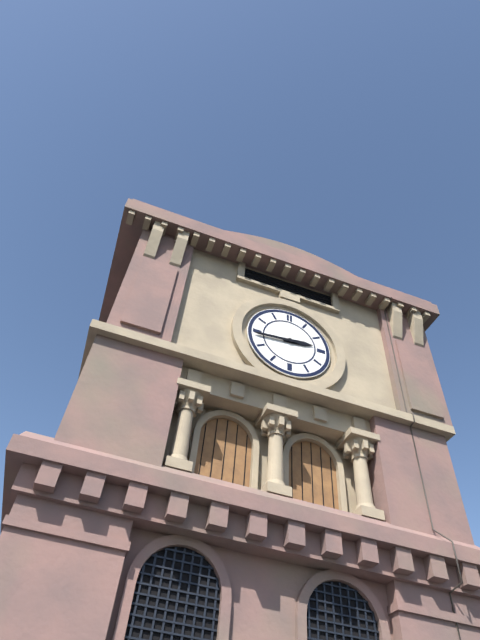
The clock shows **2:44**
